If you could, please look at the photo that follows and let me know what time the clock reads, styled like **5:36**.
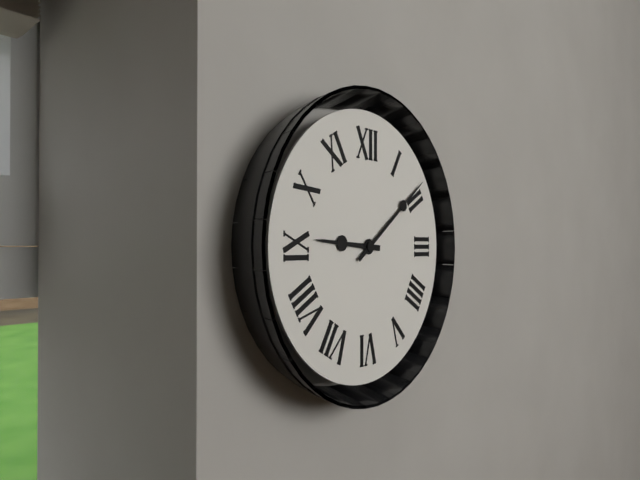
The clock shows **9:09**
